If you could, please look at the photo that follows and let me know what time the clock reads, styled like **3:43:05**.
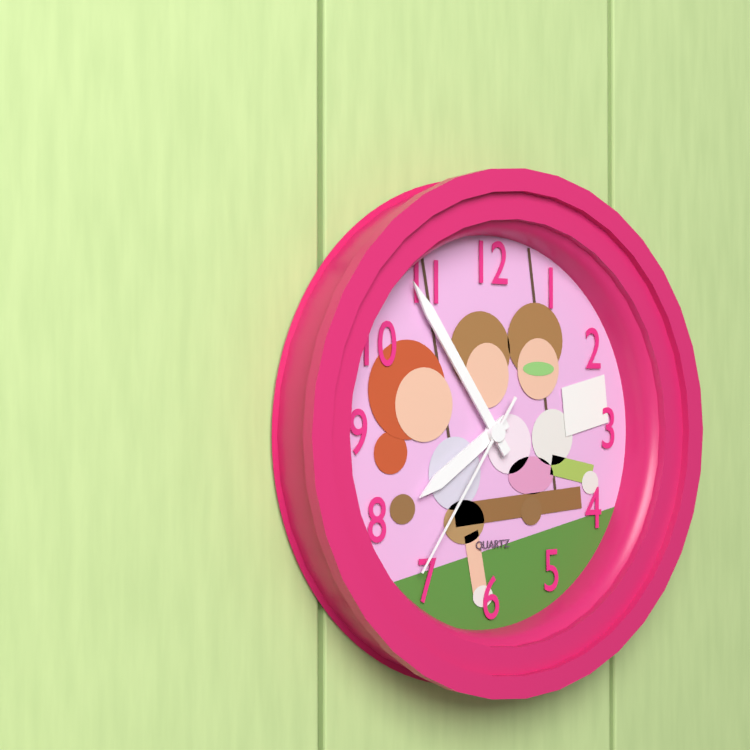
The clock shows **7:54:36**
